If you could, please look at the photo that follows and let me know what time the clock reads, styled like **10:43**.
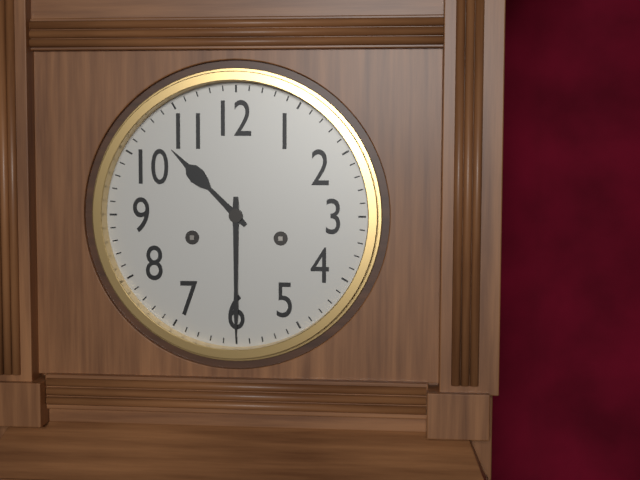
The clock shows **10:30**
